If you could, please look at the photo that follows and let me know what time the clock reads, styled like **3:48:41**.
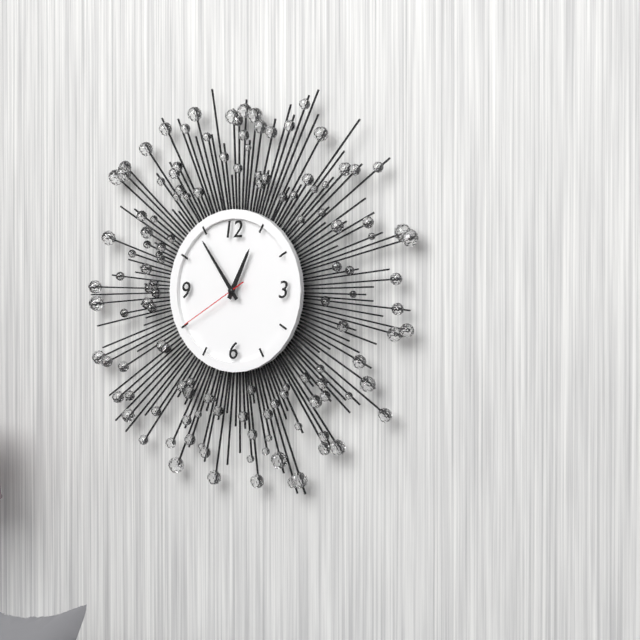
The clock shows **12:54:40**
